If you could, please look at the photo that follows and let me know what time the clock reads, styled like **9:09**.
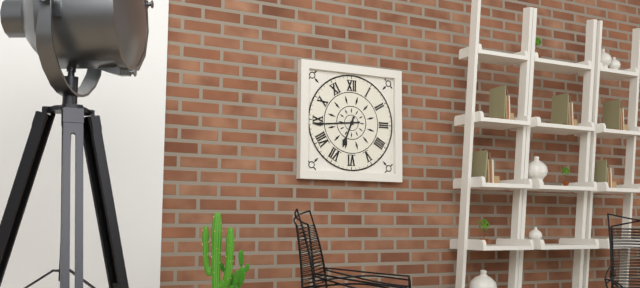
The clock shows **6:44**
